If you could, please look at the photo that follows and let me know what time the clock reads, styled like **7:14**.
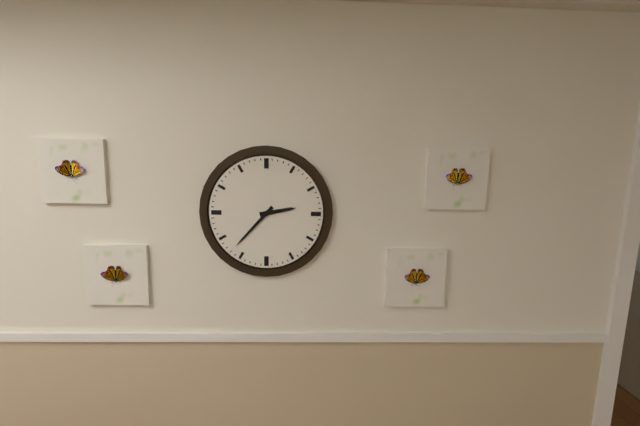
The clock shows **2:37**
